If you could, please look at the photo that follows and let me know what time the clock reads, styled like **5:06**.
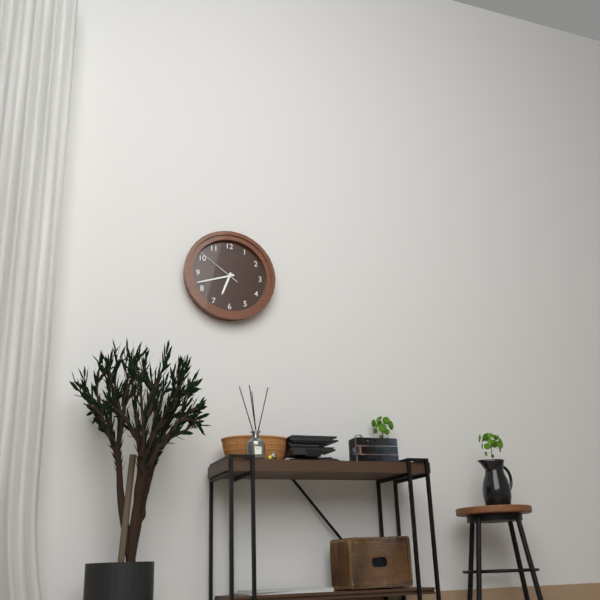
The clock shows **6:42**
